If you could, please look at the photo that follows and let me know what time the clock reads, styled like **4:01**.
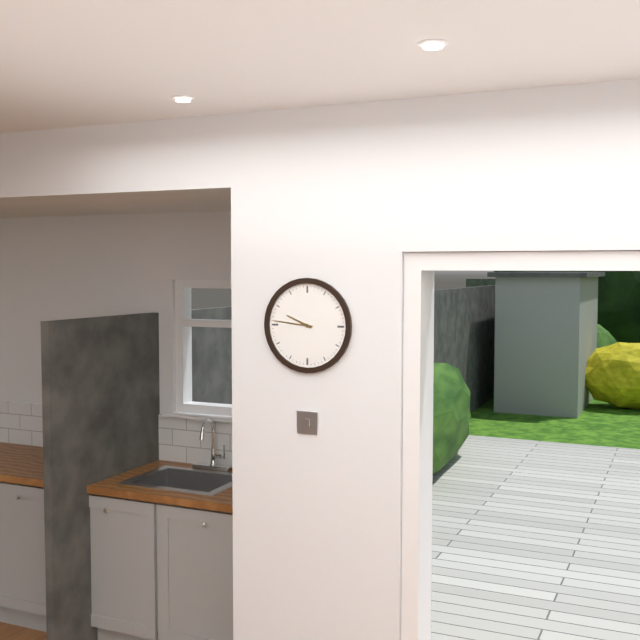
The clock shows **9:46**
